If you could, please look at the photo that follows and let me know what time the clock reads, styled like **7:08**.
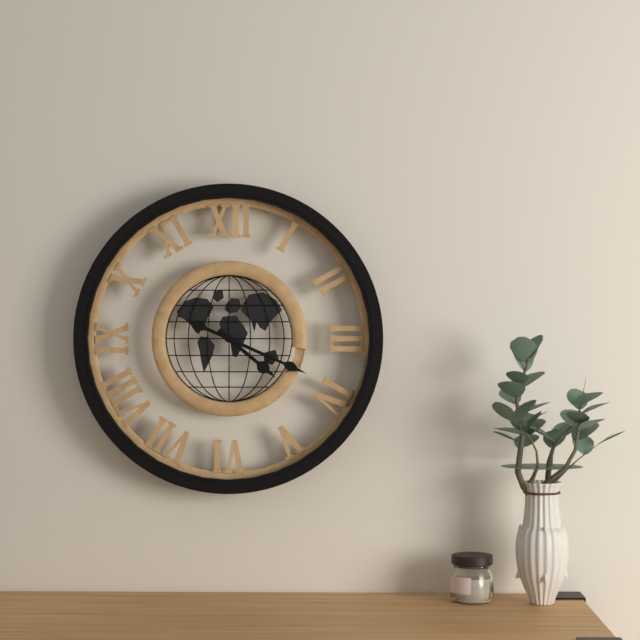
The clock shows **4:19**
